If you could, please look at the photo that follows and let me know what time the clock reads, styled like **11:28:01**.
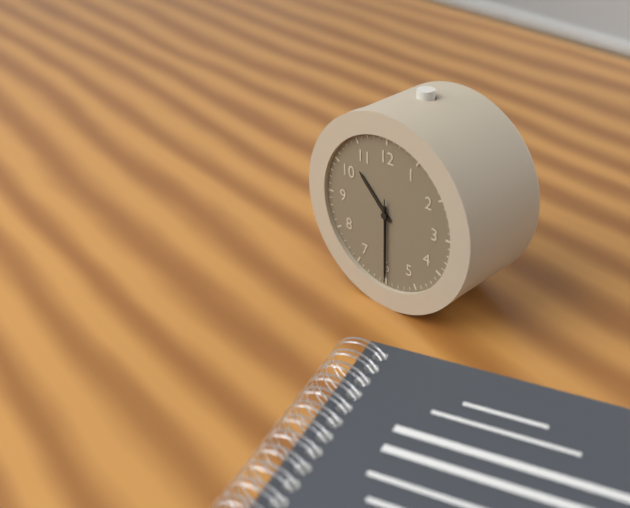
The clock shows **10:30:30**
